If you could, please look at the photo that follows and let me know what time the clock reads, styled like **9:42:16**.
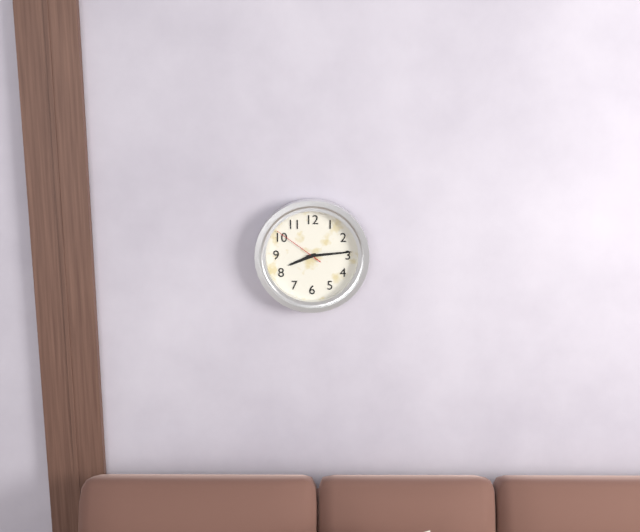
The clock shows **8:14:51**
